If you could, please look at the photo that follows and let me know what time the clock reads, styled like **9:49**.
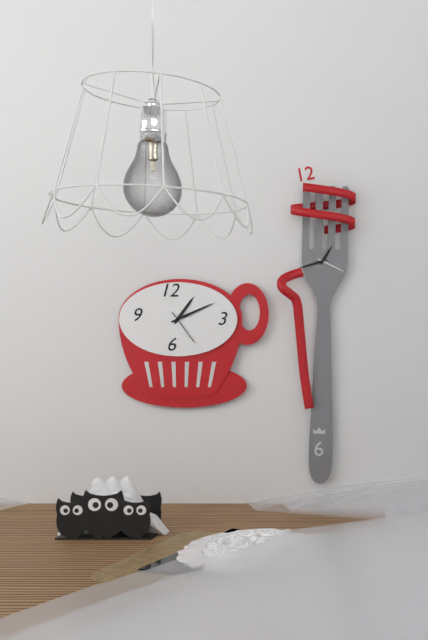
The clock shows **1:11**
